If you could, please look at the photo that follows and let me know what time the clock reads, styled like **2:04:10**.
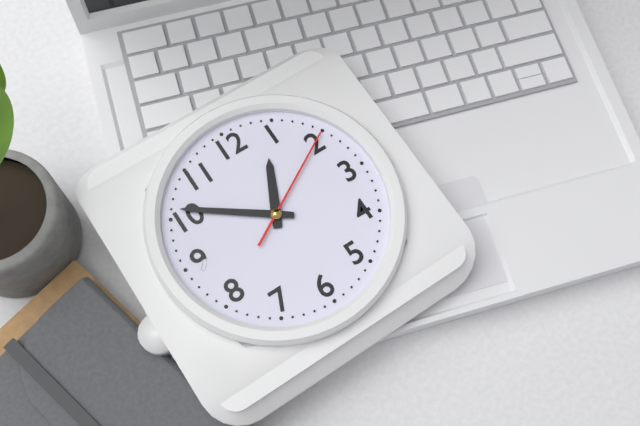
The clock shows **12:51:10**
